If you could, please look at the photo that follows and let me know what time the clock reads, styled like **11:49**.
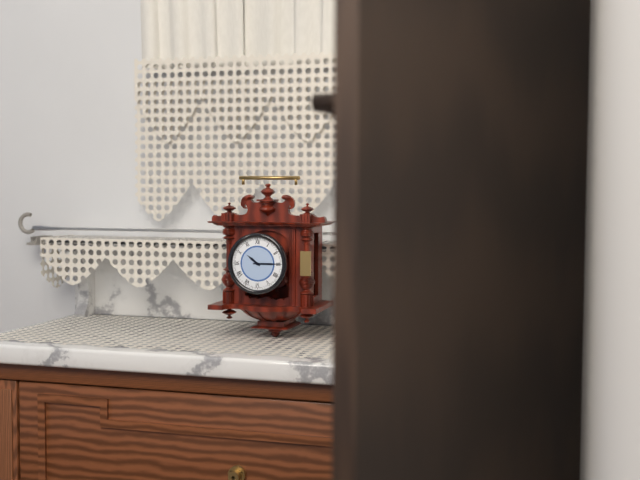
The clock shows **10:15**
